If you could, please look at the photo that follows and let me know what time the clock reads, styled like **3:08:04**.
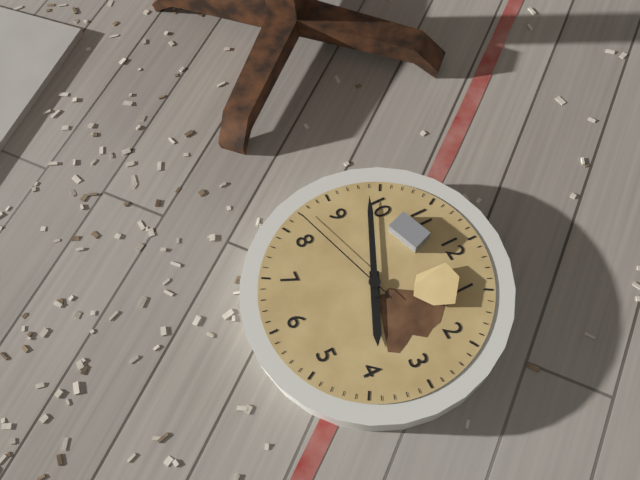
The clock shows **3:49:42**
